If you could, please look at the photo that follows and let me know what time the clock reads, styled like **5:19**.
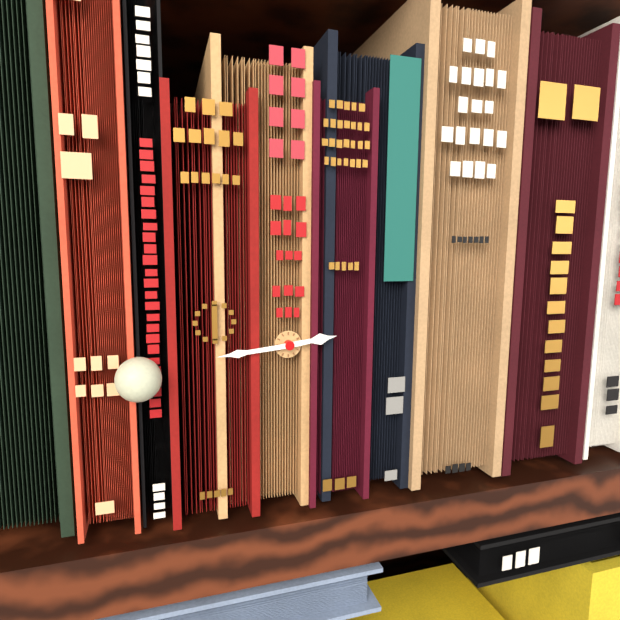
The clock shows **2:44**
